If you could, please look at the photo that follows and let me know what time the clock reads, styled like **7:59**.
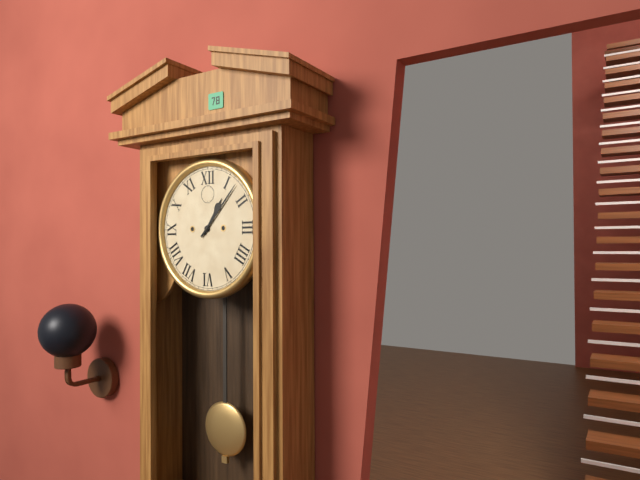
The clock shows **1:07**
